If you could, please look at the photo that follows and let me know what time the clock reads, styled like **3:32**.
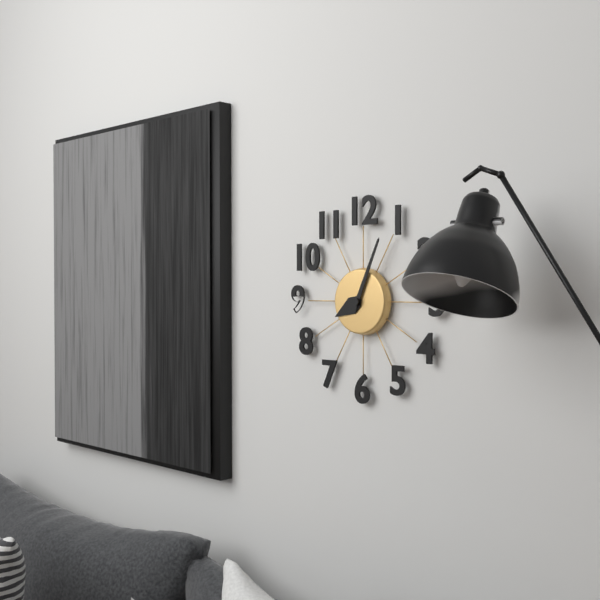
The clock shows **8:04**
